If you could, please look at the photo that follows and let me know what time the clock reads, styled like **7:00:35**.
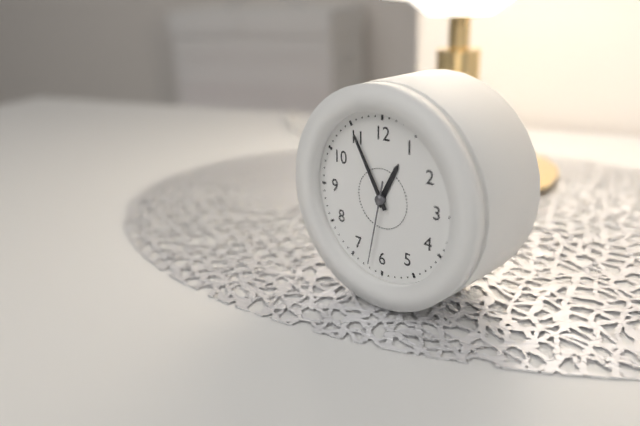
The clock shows **12:55:32**
